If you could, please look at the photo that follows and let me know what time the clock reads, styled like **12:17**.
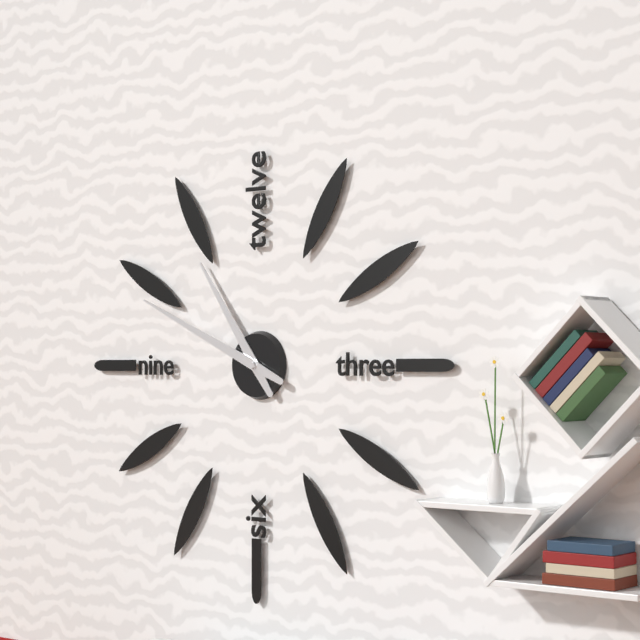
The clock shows **10:49**
